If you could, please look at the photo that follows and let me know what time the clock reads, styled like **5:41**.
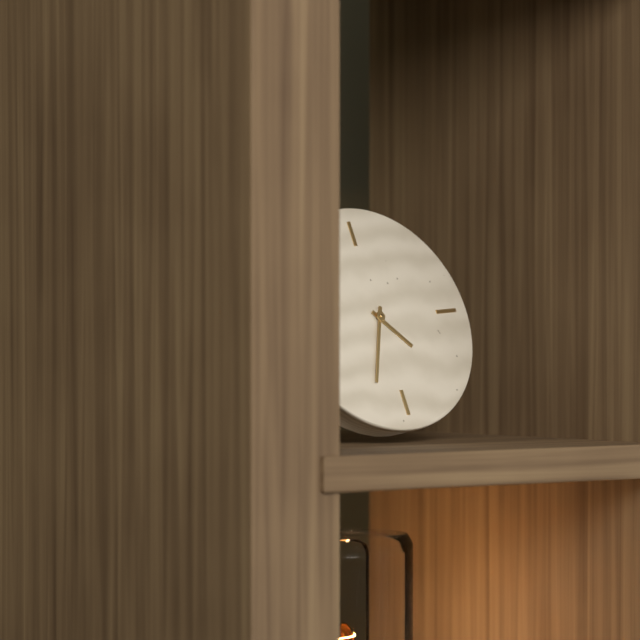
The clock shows **4:34**
